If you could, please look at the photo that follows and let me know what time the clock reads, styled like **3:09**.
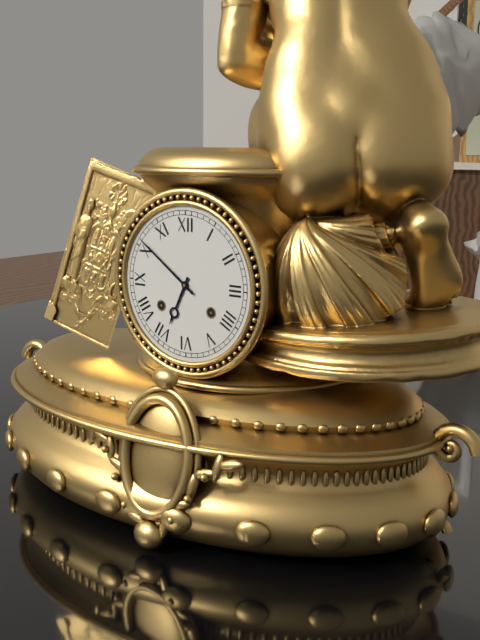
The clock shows **6:51**
